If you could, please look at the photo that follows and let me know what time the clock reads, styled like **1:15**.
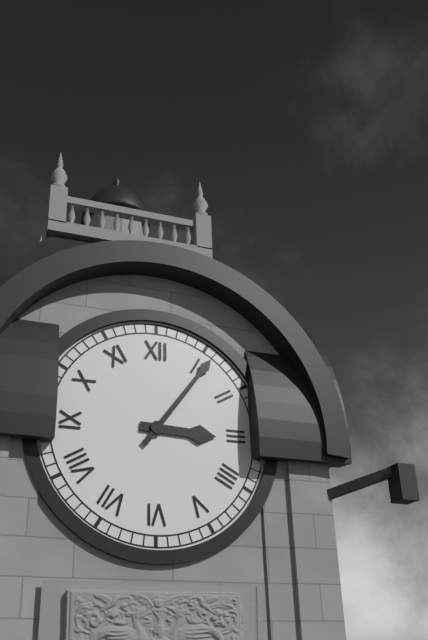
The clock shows **3:06**
